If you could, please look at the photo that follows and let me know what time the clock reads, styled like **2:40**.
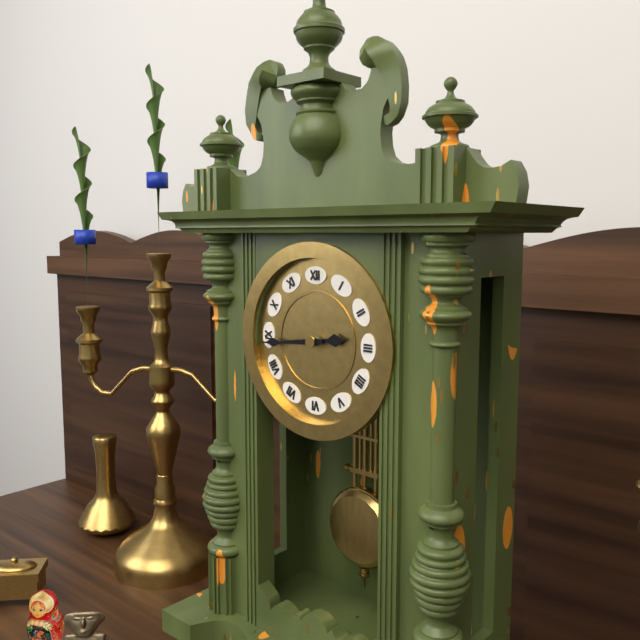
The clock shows **2:44**
